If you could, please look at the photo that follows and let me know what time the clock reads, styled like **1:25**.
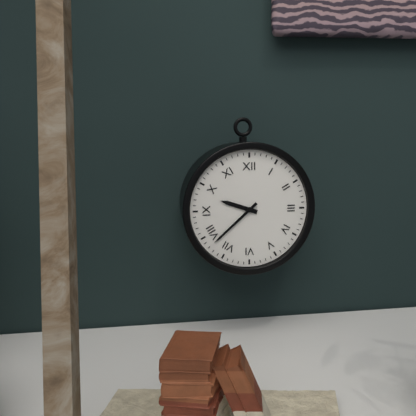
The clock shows **9:38**
